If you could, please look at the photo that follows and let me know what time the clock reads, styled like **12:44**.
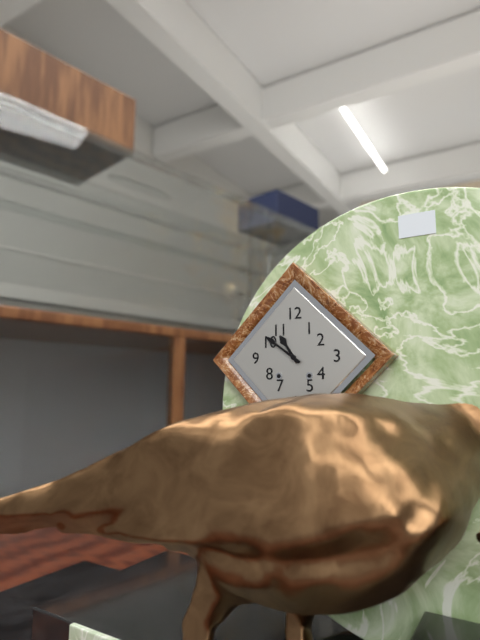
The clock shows **10:51**
